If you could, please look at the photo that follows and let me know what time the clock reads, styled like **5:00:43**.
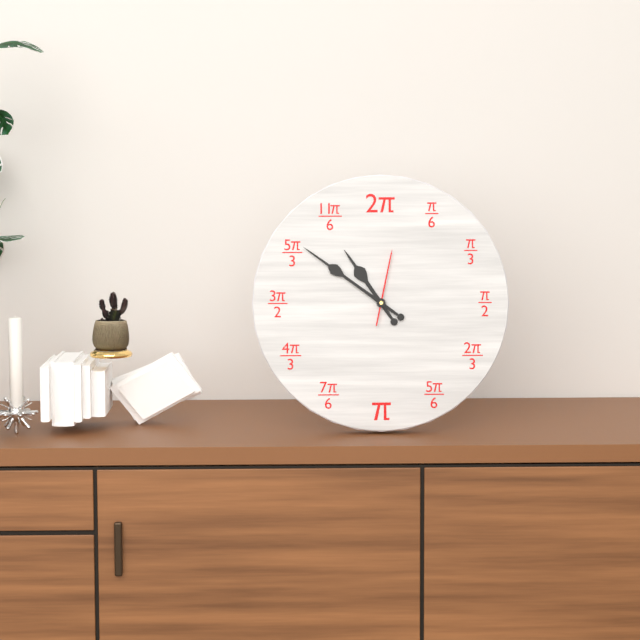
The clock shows **10:51:02**
